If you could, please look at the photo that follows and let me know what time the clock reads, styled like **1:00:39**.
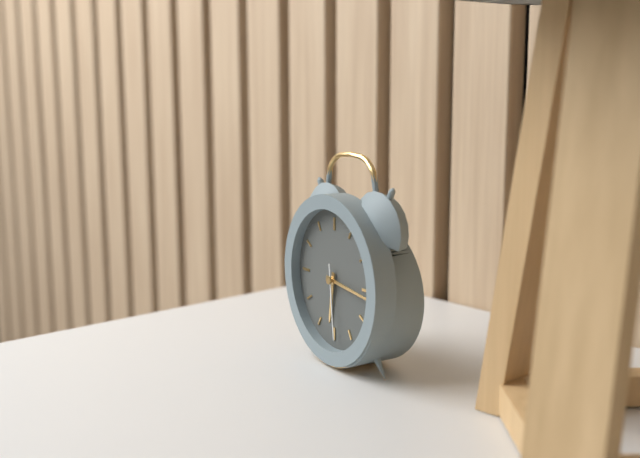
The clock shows **6:16:29**
